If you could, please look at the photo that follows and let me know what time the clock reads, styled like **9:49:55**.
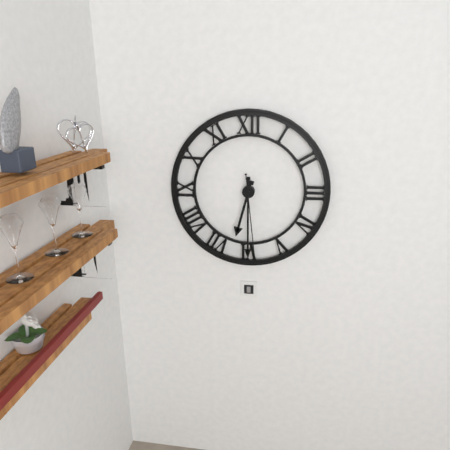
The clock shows **6:30:29**
